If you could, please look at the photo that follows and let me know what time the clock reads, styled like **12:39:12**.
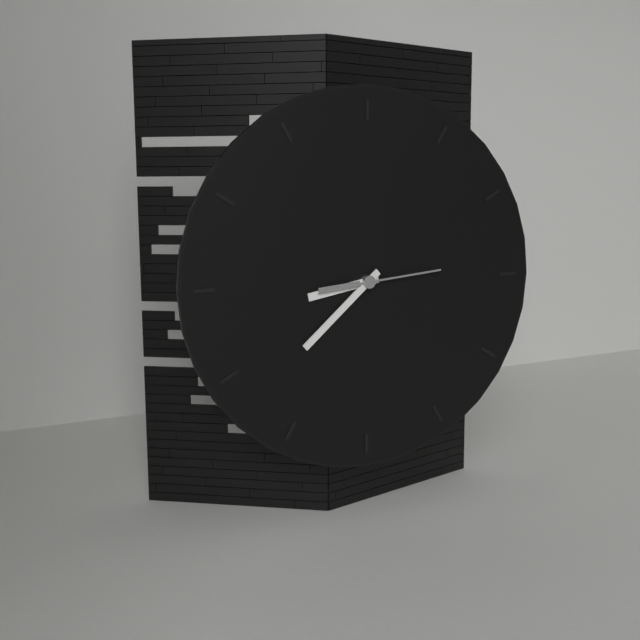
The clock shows **8:38:14**
